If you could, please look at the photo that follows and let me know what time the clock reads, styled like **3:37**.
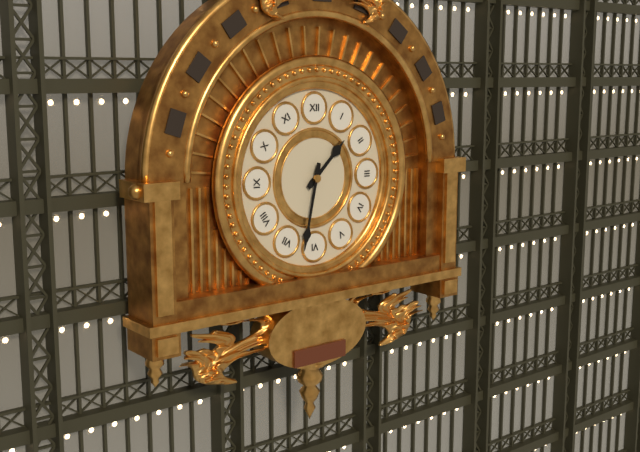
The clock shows **1:32**
